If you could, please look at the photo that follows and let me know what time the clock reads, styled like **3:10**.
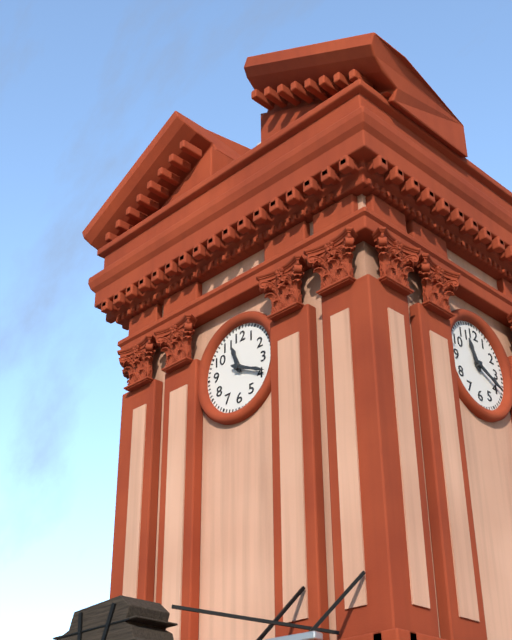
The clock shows **11:19**
